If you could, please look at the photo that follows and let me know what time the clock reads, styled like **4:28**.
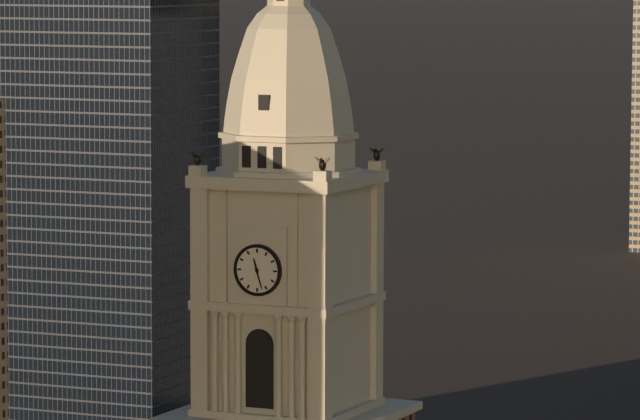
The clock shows **11:27**
